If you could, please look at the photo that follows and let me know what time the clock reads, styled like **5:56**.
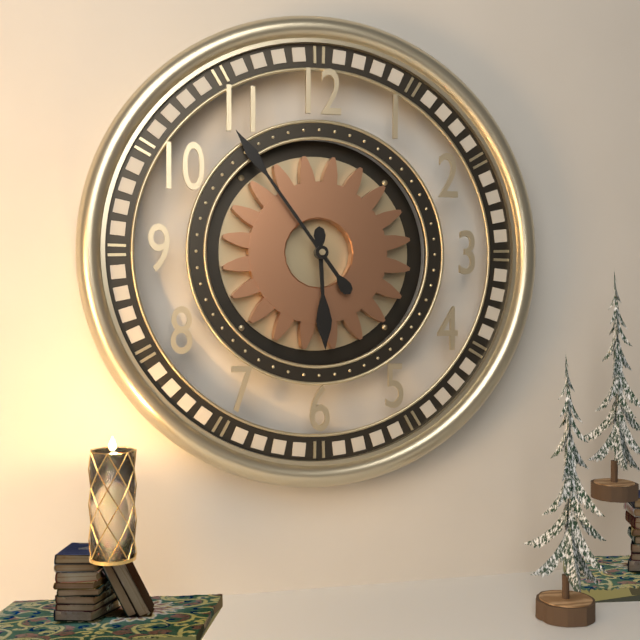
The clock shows **5:54**
